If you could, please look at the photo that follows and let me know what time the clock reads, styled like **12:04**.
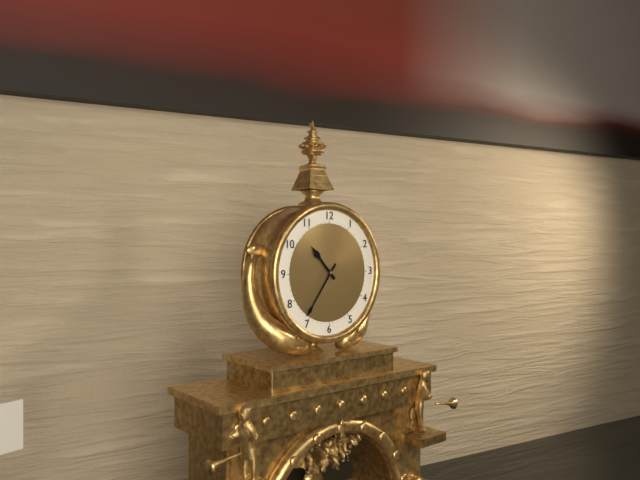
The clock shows **10:36**
